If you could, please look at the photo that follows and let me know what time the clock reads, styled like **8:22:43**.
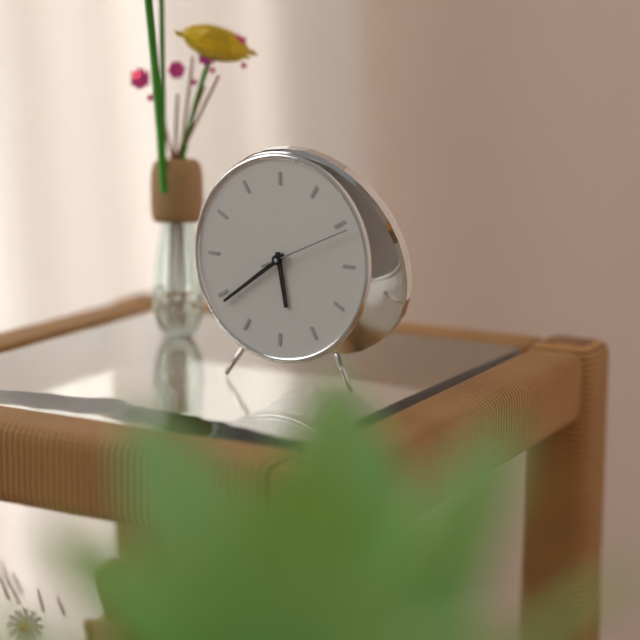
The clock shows **5:39:11**
